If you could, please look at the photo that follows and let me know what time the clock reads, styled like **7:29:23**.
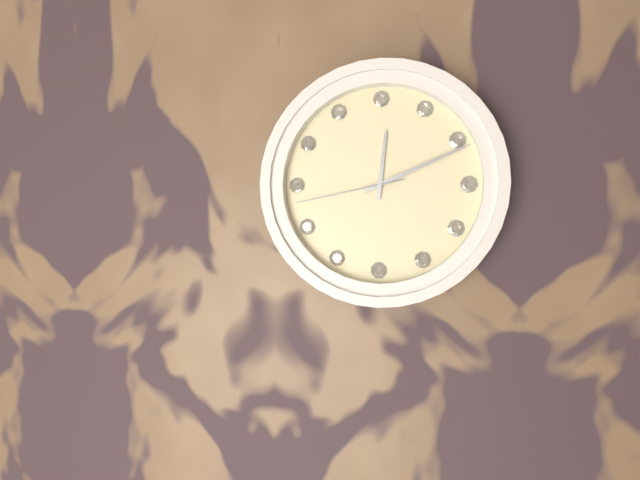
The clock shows **12:11:43**
